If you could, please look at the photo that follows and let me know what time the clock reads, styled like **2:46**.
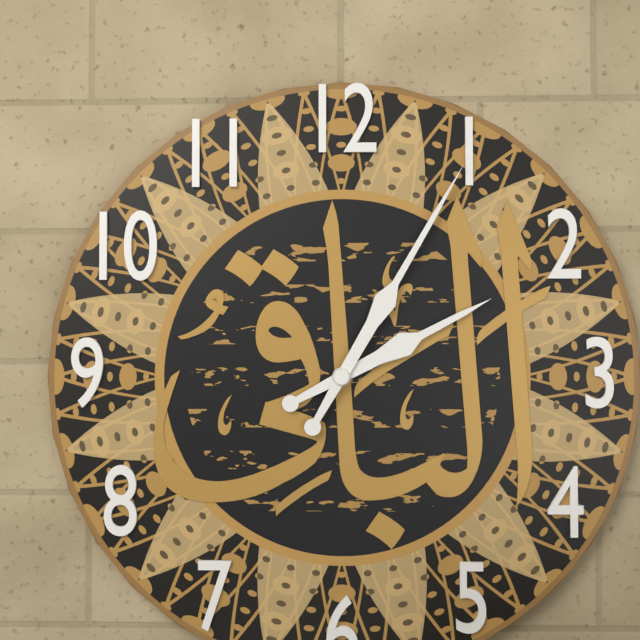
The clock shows **2:05**
